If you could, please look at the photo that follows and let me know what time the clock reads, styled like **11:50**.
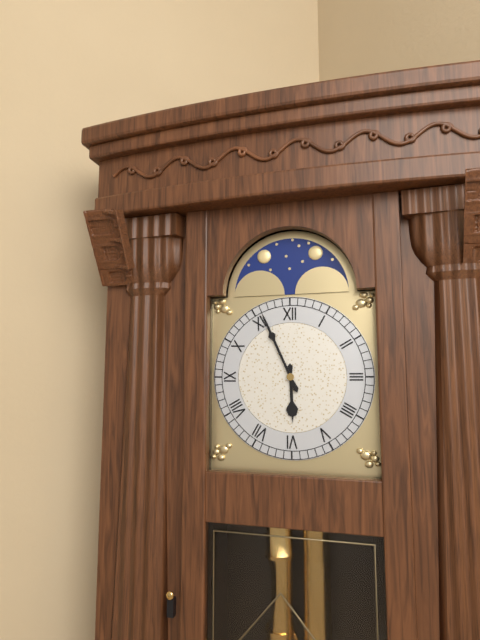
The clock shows **5:56**
